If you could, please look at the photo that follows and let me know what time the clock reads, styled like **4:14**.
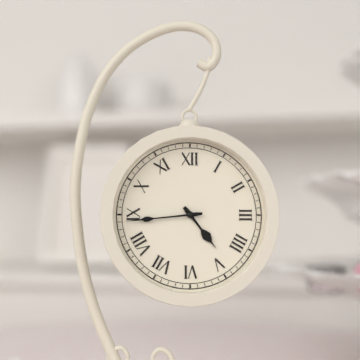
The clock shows **4:44**
